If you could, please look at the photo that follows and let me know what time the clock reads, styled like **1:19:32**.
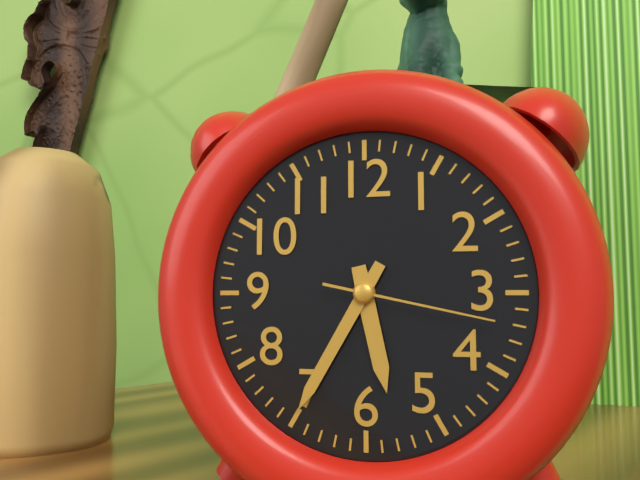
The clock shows **5:35:17**
